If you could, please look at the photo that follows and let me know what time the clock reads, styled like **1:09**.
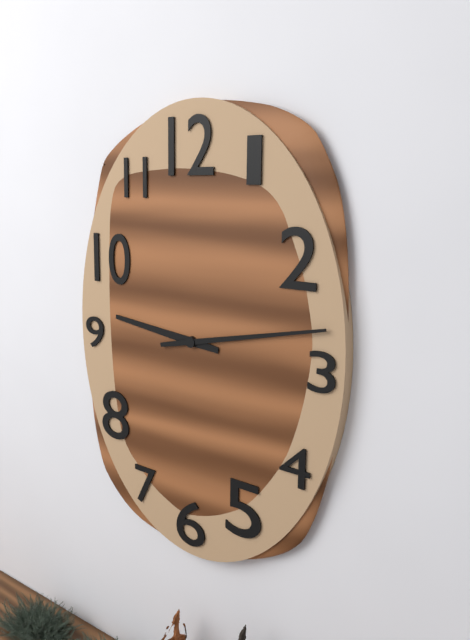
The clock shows **9:13**
